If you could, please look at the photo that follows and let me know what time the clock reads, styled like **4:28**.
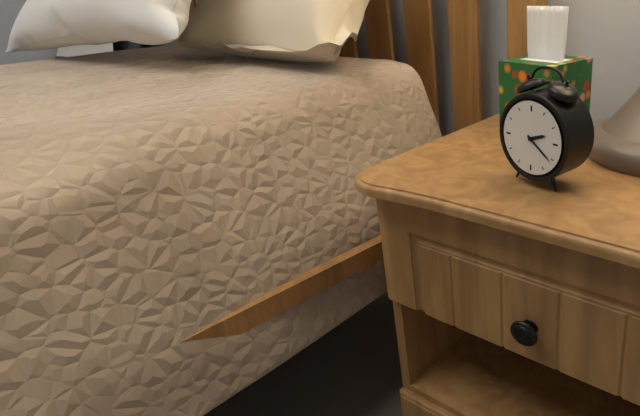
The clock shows **2:21**
